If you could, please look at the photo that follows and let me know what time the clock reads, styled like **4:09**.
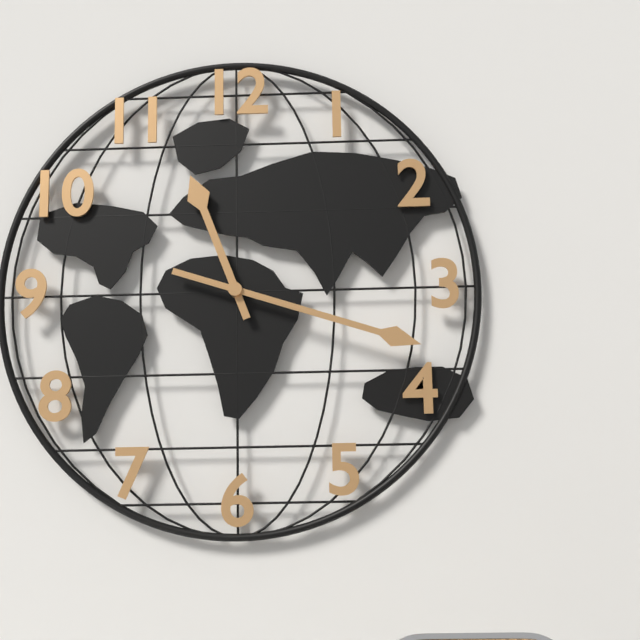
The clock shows **11:18**
